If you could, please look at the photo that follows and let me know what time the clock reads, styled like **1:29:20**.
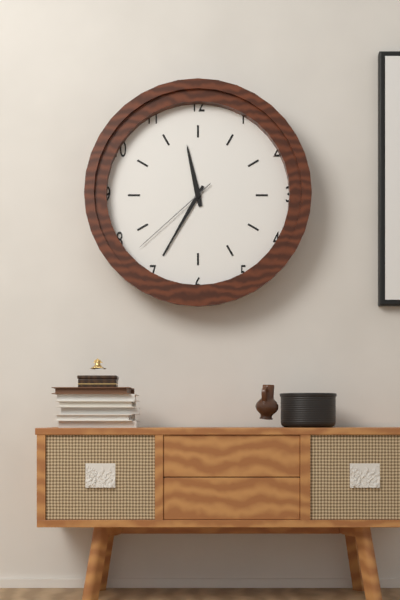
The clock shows **11:35:38**
